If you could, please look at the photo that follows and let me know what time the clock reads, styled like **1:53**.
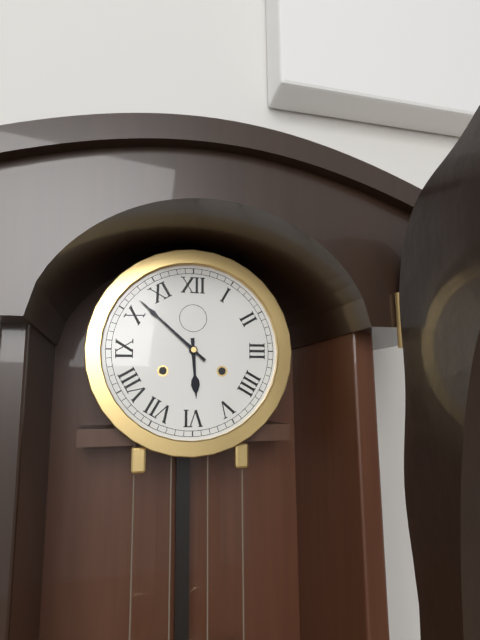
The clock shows **5:52**
